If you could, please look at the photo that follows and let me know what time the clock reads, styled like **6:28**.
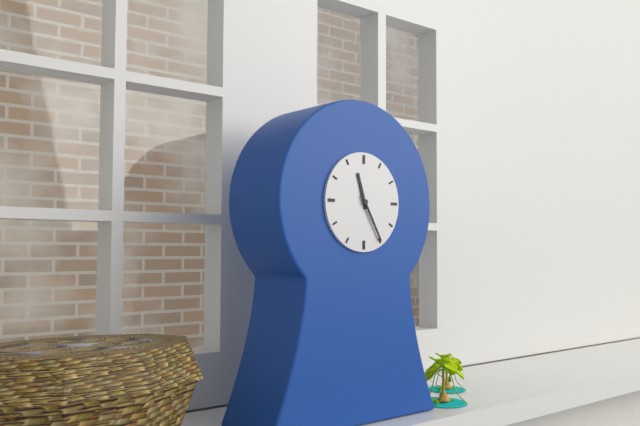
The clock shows **11:25**
